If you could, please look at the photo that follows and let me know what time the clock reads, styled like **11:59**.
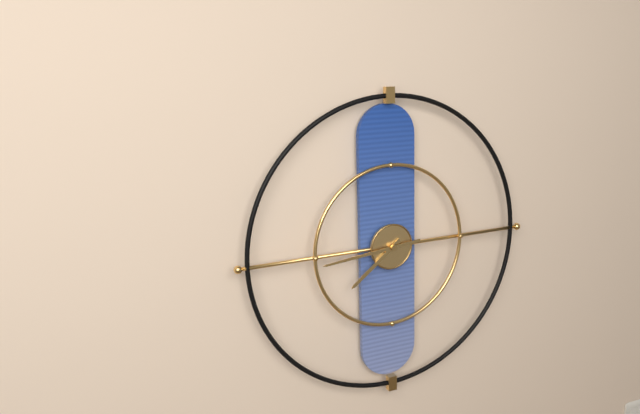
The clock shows **7:44**
